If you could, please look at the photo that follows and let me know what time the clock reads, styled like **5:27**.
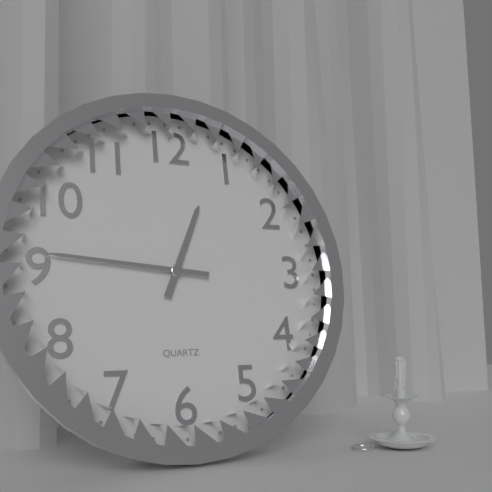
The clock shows **12:46**
